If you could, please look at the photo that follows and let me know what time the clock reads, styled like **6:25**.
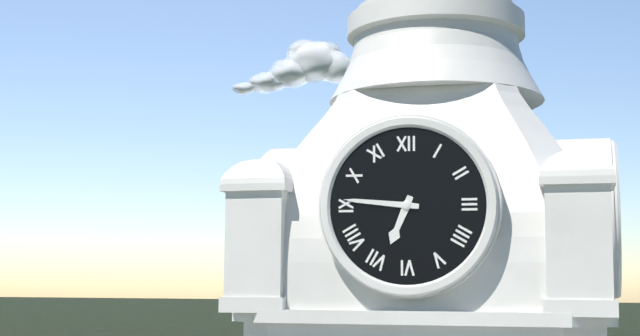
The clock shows **6:46**
